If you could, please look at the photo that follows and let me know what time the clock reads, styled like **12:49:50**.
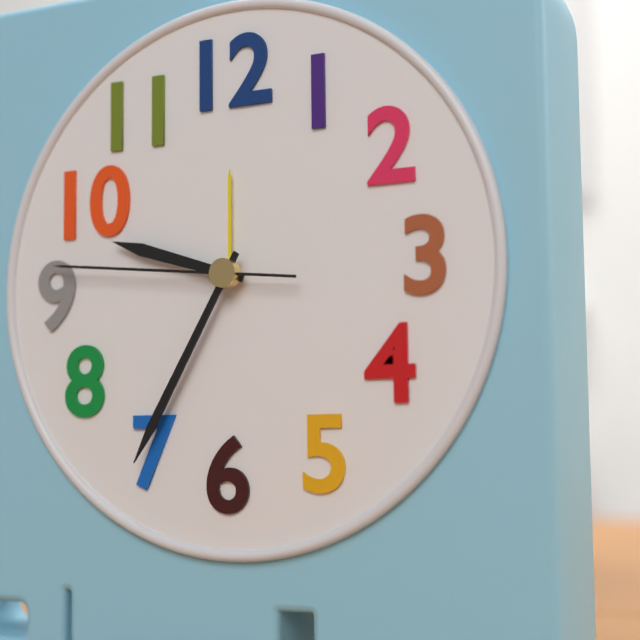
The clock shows **9:35:46**
